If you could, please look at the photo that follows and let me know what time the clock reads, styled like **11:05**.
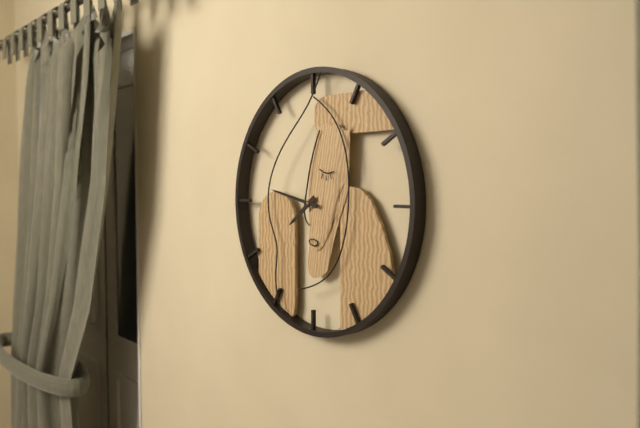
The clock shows **7:47**
